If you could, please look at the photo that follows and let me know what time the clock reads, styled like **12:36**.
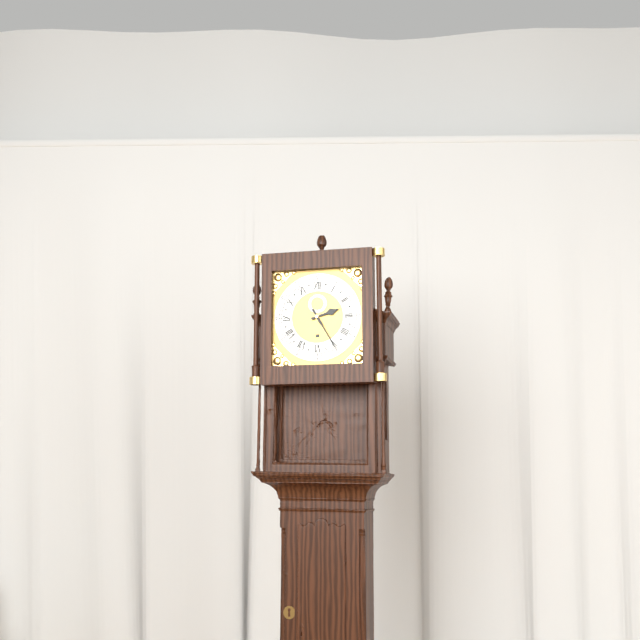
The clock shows **2:25**
